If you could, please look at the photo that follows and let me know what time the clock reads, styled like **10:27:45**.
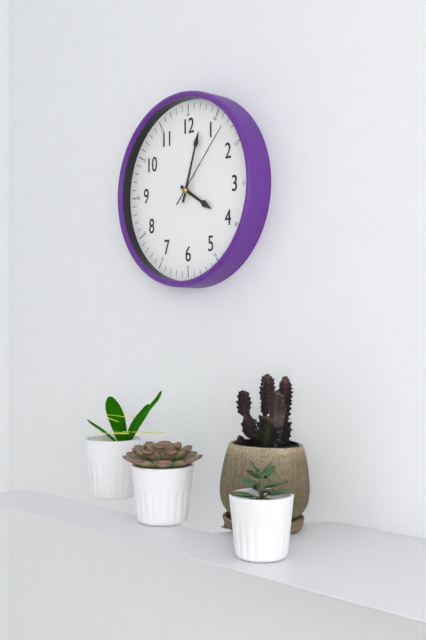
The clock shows **4:03:07**
